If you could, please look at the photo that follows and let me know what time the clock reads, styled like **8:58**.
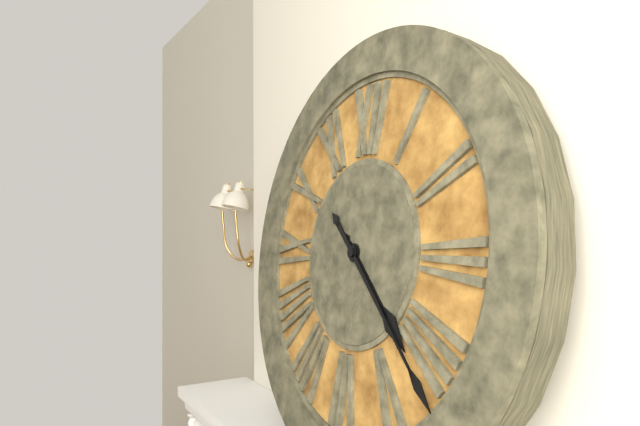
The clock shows **4:22**
